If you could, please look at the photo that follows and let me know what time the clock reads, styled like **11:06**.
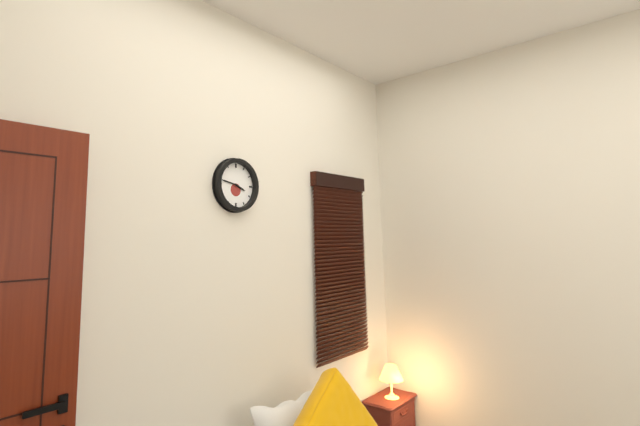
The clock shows **3:47**
